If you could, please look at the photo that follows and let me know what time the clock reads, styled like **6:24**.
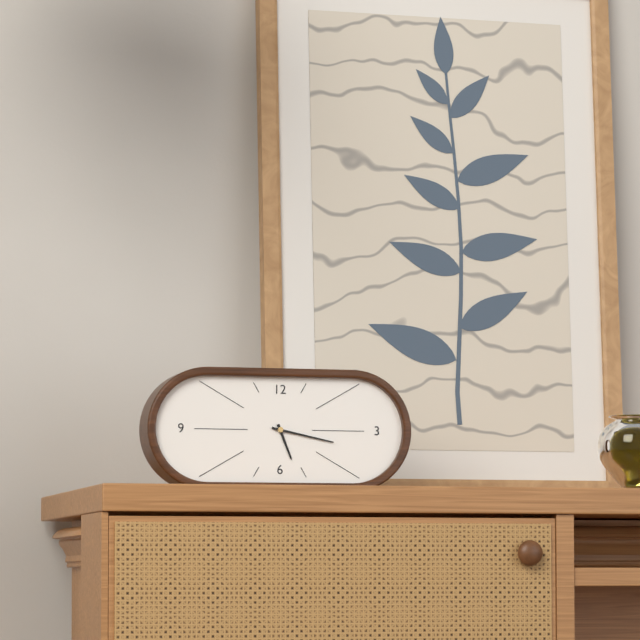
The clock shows **5:17**
